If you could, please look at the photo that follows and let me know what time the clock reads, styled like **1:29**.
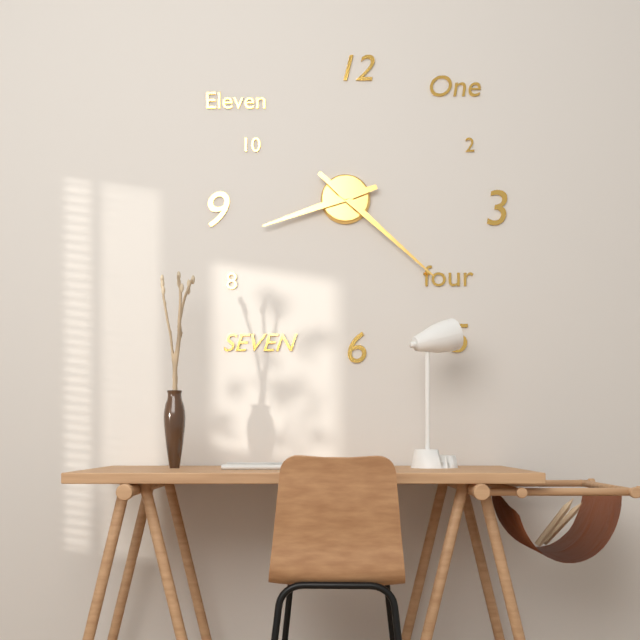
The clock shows **8:22**
